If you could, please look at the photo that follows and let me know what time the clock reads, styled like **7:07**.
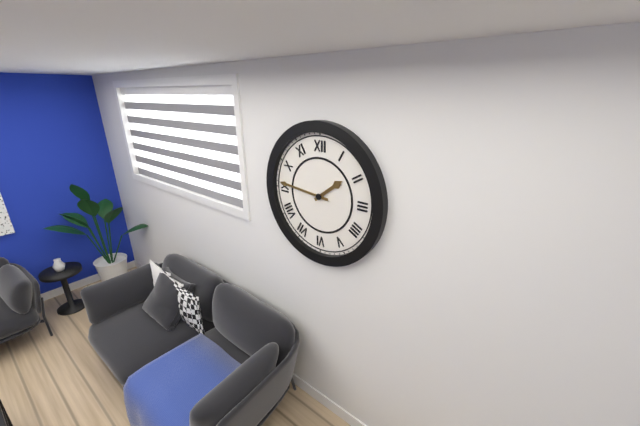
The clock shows **1:46**
